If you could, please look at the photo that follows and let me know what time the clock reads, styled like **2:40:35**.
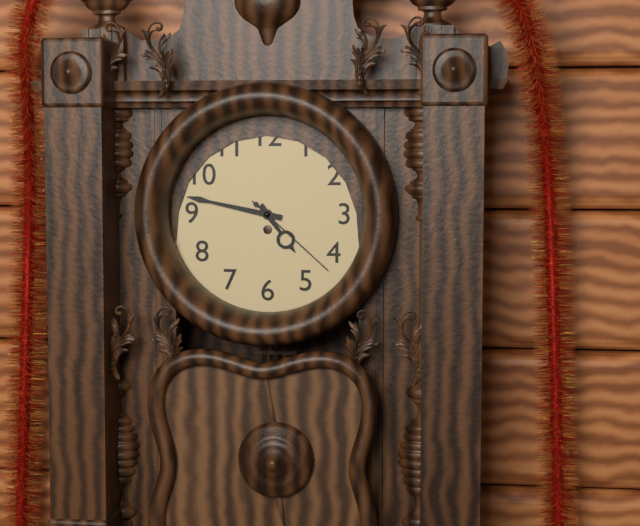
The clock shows **4:47:22**
